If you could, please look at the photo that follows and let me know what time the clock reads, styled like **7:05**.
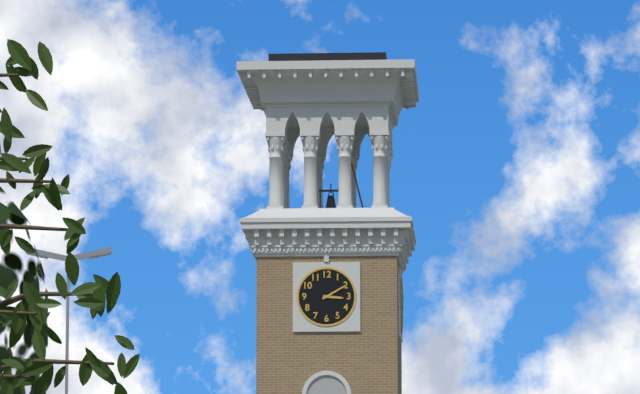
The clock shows **3:10**
